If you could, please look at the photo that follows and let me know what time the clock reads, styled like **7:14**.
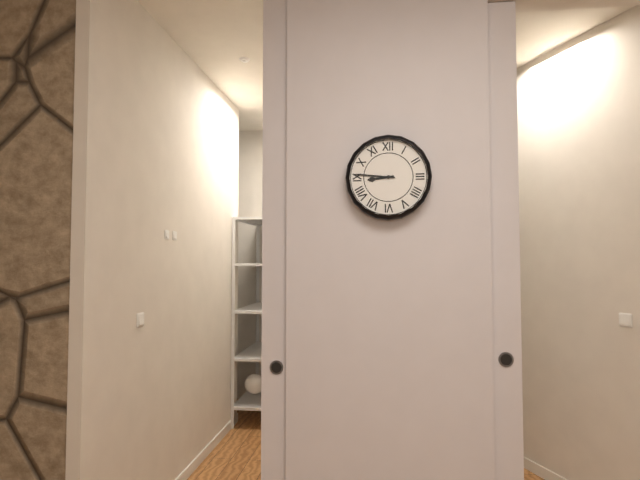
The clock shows **8:46**
